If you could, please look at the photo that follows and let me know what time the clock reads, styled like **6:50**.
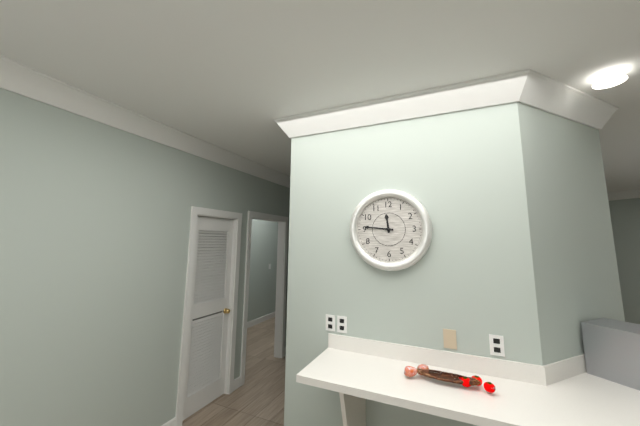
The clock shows **11:46**
